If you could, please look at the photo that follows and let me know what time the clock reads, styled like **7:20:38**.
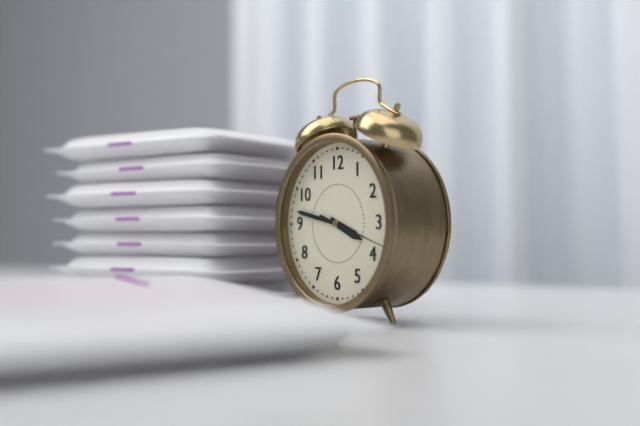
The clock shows **3:47:18**
